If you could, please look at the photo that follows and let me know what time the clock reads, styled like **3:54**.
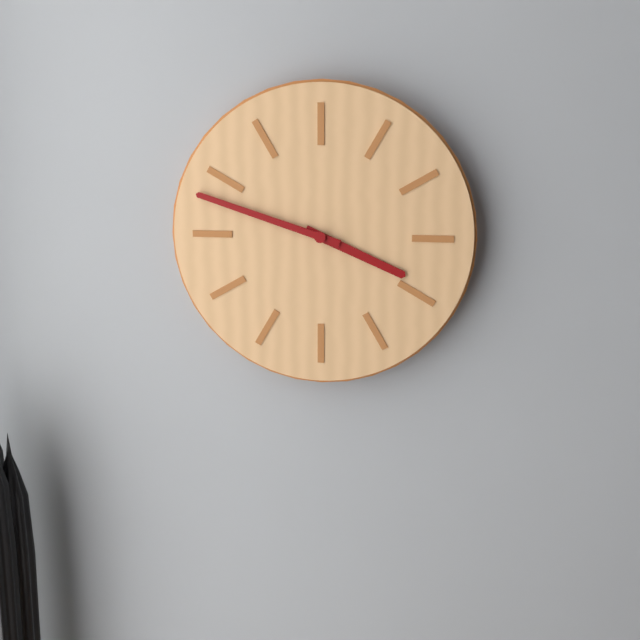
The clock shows **3:48**
